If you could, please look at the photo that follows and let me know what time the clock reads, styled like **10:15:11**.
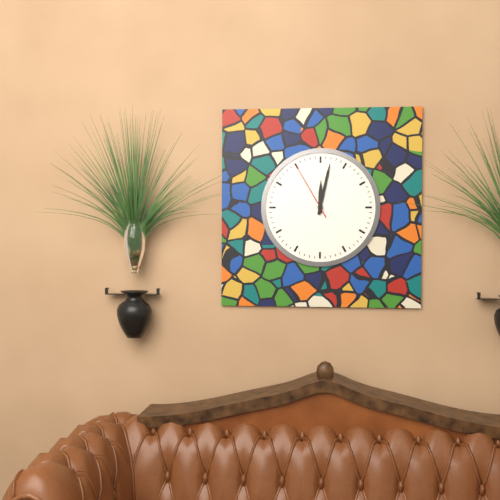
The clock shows **12:02:55**
